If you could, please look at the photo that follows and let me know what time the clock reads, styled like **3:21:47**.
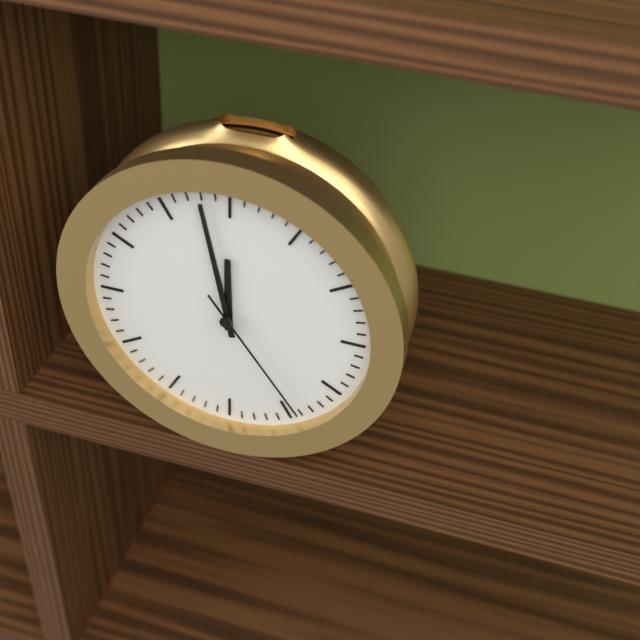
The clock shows **11:58:24**
